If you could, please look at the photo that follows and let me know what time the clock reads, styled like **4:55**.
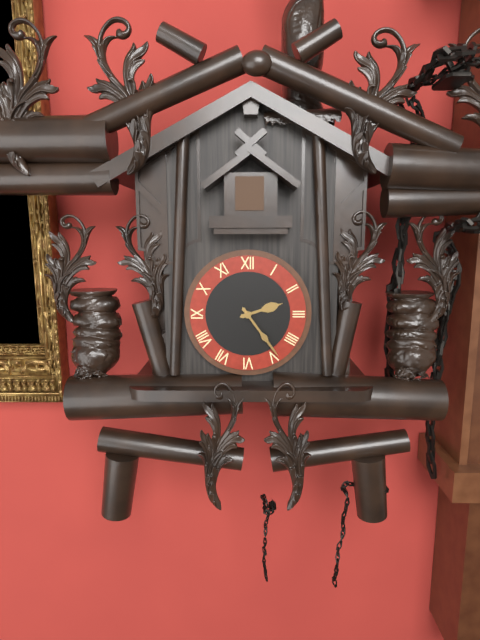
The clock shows **2:24**
